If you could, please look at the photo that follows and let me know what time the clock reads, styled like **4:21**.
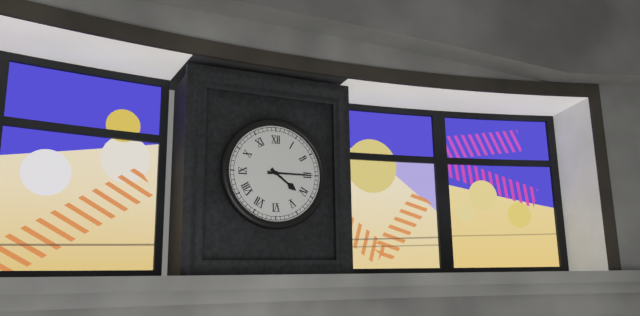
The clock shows **4:15**
